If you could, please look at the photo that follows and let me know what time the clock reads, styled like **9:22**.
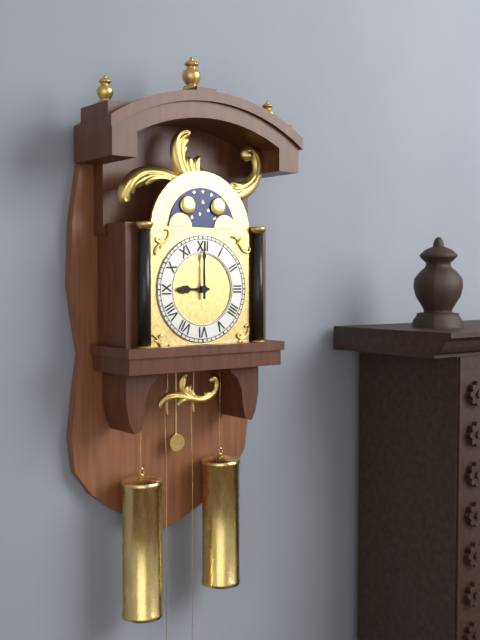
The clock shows **9:00**
